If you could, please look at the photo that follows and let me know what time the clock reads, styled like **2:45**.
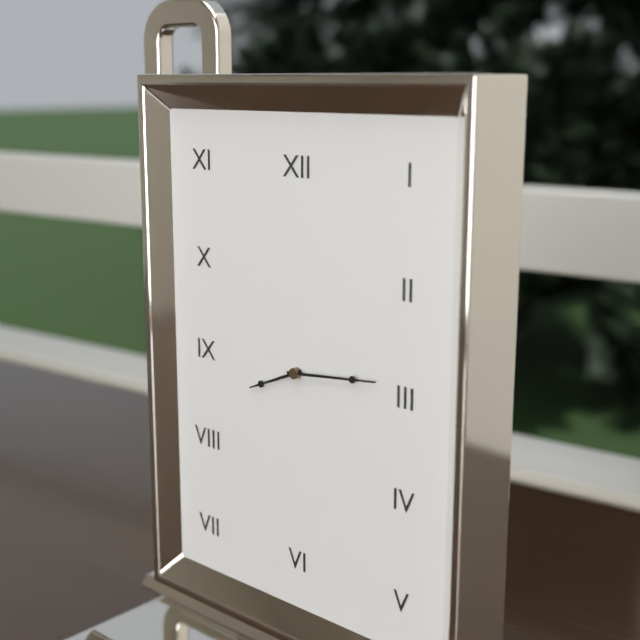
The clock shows **8:14**
